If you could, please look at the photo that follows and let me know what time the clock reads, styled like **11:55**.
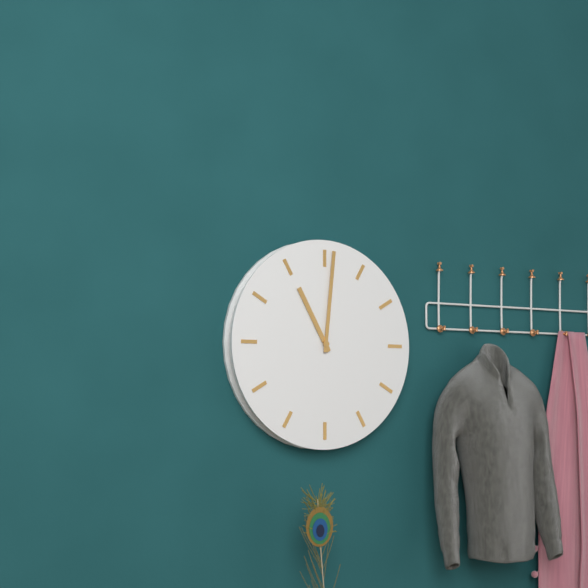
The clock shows **11:01**
